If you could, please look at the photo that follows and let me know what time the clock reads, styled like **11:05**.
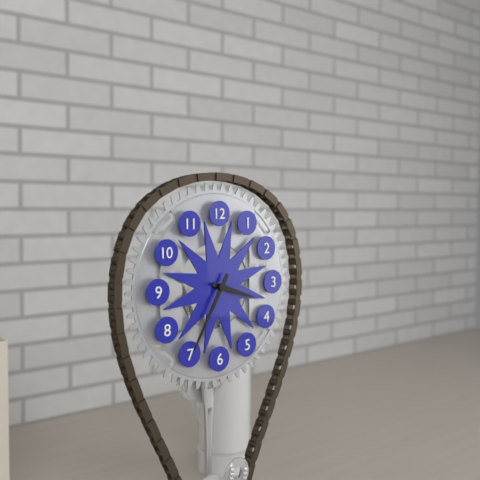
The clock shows **3:35**
